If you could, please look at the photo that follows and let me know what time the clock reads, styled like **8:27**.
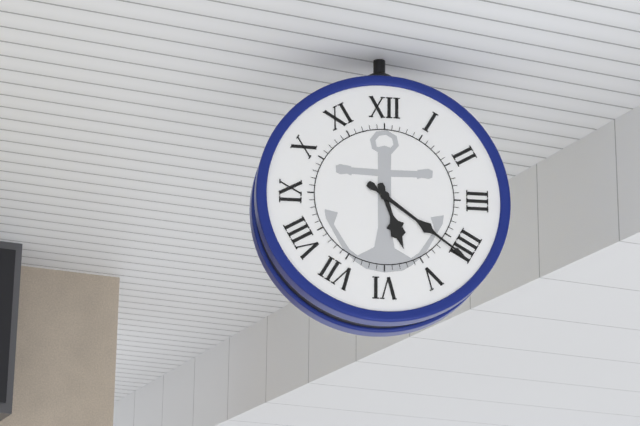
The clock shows **5:21**
